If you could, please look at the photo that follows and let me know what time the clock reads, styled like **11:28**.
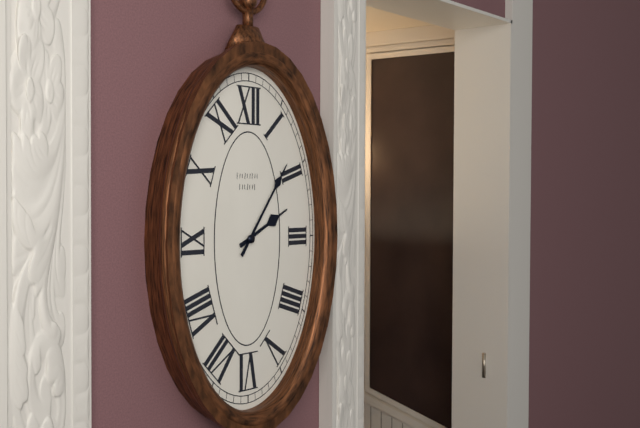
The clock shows **2:06**
